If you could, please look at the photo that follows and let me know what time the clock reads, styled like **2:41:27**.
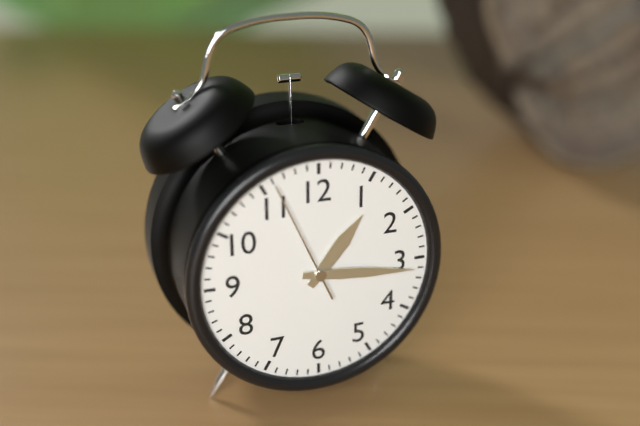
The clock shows **1:16:56**
